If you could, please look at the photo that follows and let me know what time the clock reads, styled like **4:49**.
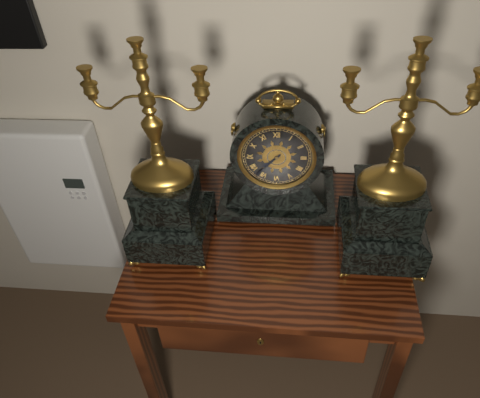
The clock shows **7:37**
